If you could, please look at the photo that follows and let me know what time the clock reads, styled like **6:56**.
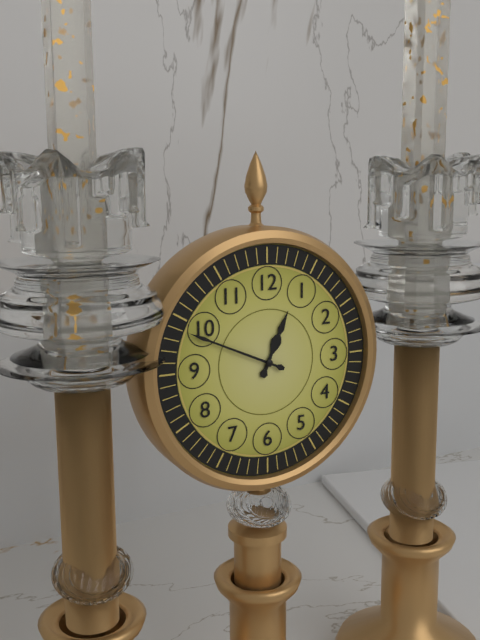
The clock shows **12:49**
